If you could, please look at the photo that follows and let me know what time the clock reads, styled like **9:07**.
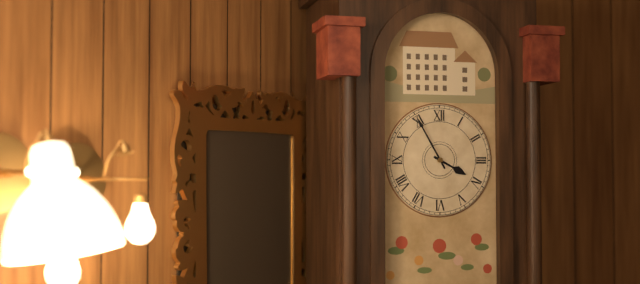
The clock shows **3:55**
